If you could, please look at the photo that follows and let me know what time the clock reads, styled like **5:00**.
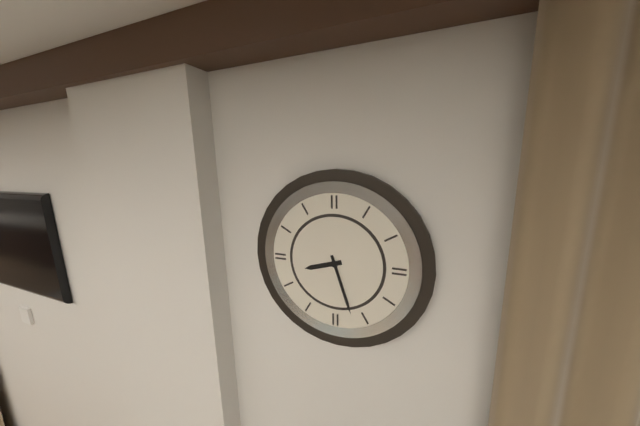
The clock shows **8:27**
